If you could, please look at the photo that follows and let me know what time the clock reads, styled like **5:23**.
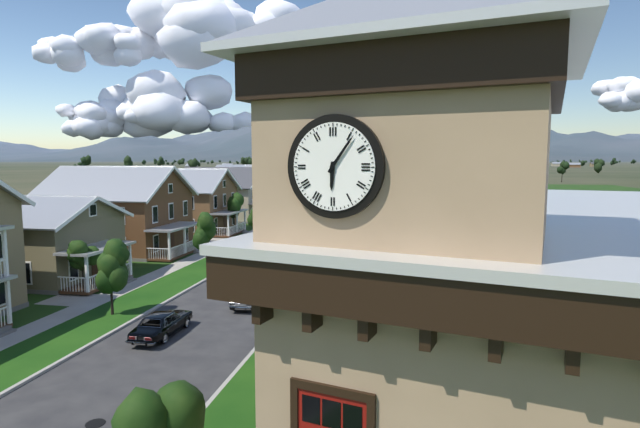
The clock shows **6:06**
